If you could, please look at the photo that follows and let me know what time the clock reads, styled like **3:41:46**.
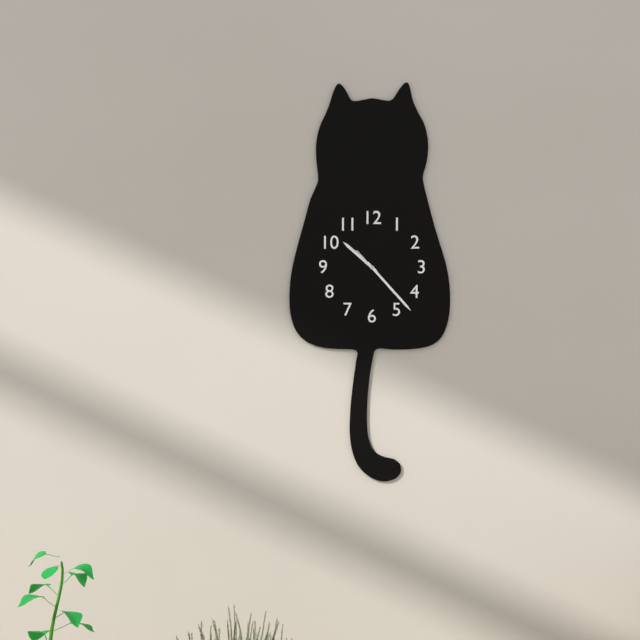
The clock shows **10:23:23**
